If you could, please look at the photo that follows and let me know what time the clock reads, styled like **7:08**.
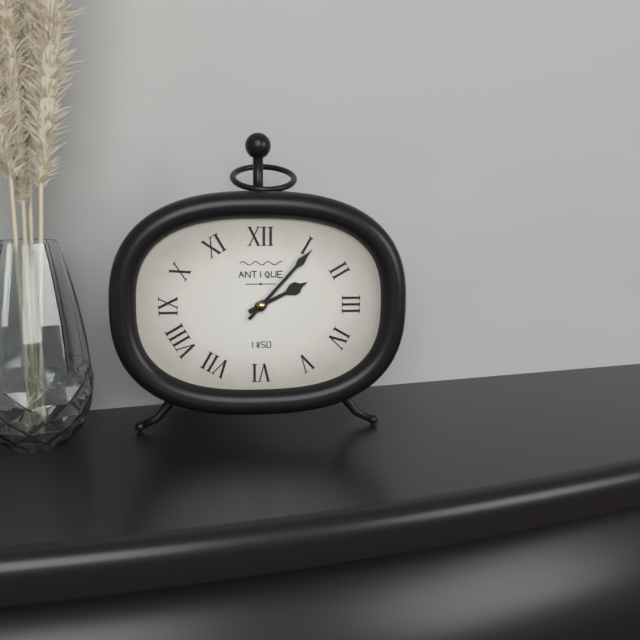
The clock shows **2:07**
